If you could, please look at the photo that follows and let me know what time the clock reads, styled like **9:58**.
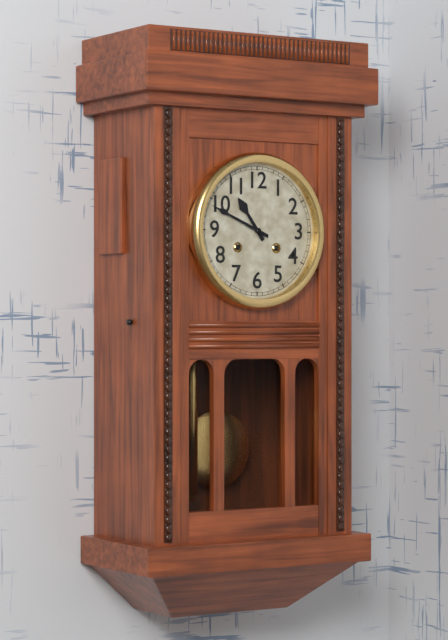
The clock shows **10:49**
